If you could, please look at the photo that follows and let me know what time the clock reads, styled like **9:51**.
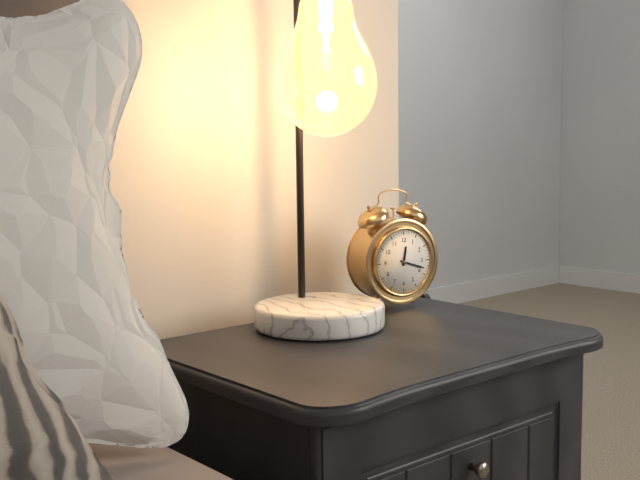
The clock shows **12:18**
